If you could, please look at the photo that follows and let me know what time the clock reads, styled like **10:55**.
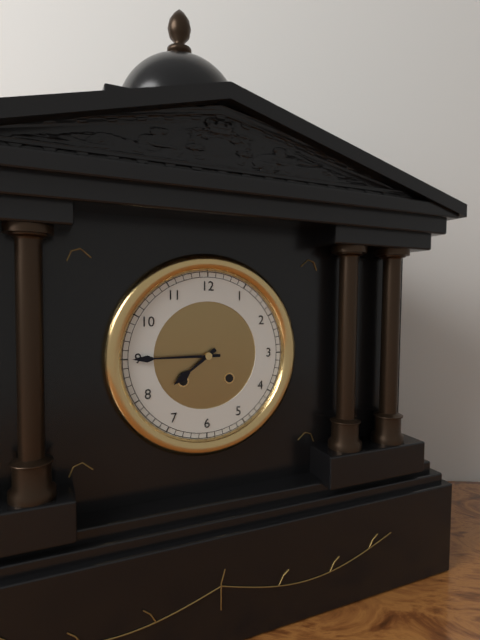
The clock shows **7:45**
